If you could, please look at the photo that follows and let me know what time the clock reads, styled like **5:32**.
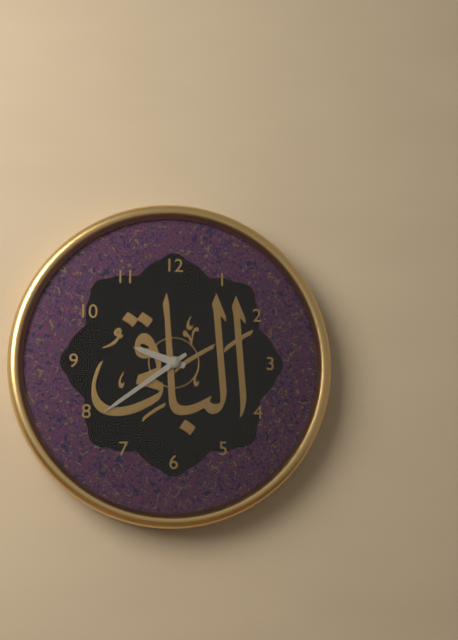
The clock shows **9:39**
